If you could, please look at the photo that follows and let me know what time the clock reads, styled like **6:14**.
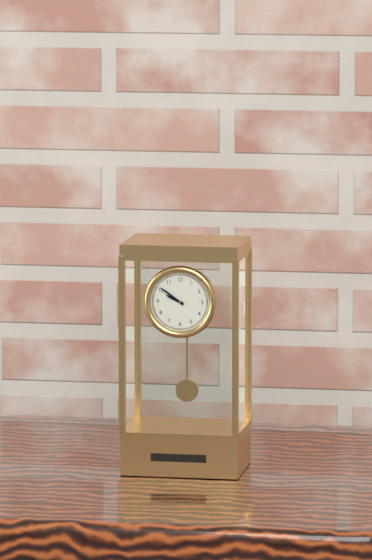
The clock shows **9:51**
